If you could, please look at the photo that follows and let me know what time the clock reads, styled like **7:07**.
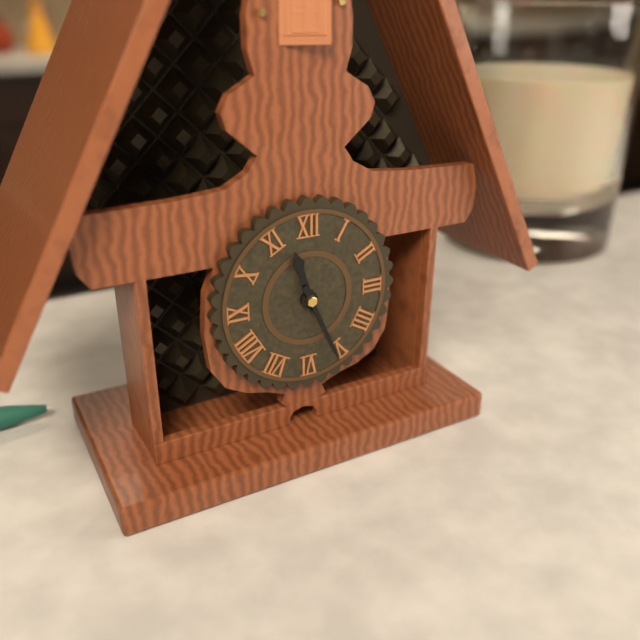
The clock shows **11:26**
